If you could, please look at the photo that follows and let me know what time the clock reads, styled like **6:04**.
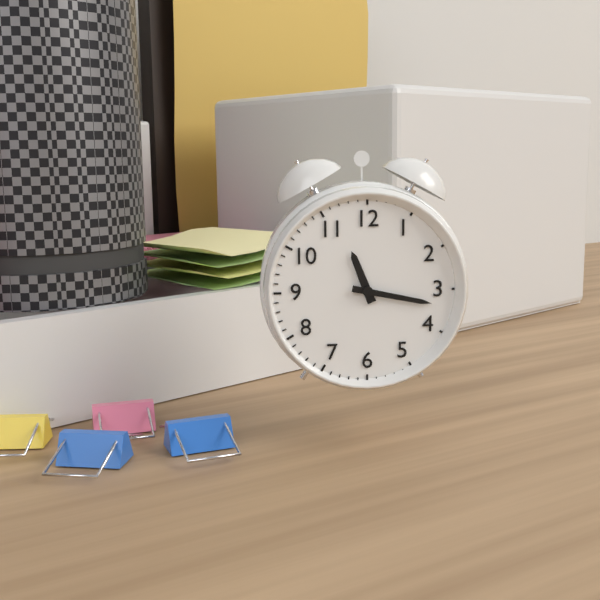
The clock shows **11:17**
